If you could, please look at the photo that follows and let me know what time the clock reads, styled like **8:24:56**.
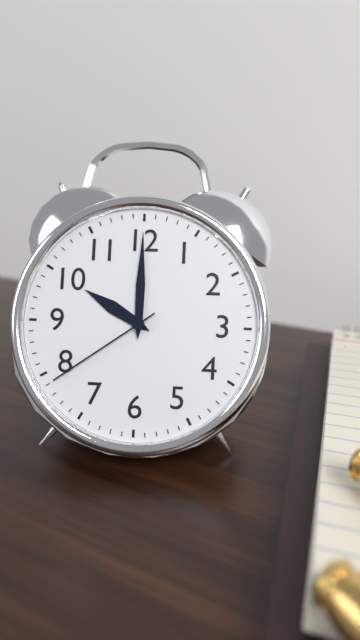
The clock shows **10:00:39**
